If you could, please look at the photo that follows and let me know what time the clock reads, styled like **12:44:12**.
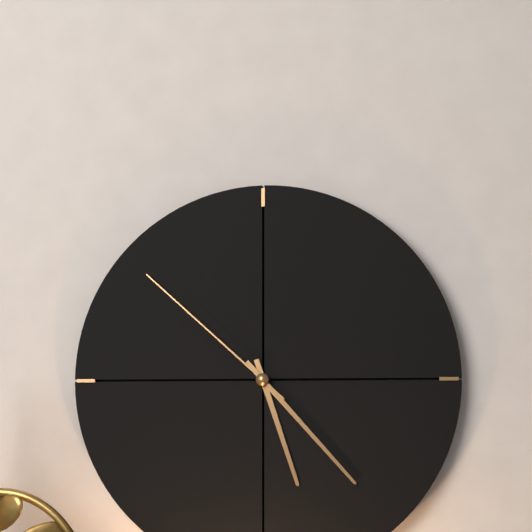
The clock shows **5:23:52**
